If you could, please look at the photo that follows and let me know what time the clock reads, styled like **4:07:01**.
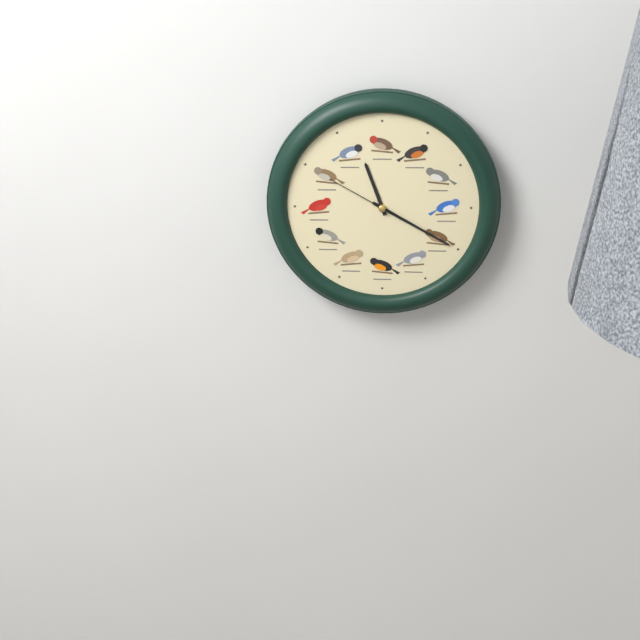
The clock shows **11:20:50**
